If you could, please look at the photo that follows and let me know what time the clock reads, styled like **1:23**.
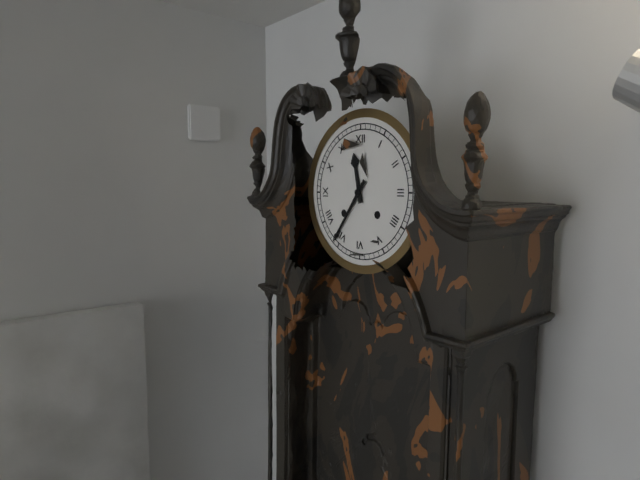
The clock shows **11:36**
